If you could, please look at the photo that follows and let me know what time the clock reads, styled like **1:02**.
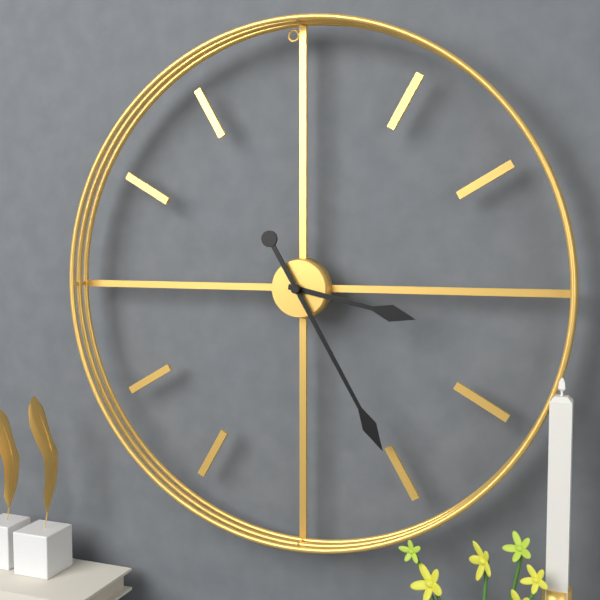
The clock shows **3:25**
